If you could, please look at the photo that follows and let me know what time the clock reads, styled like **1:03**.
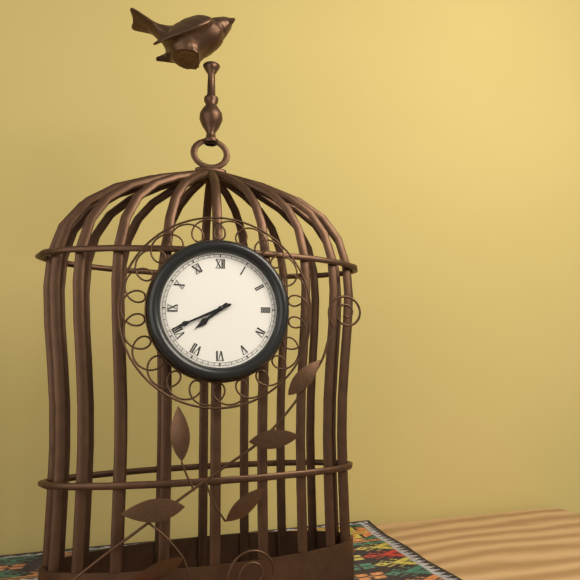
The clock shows **7:41**
